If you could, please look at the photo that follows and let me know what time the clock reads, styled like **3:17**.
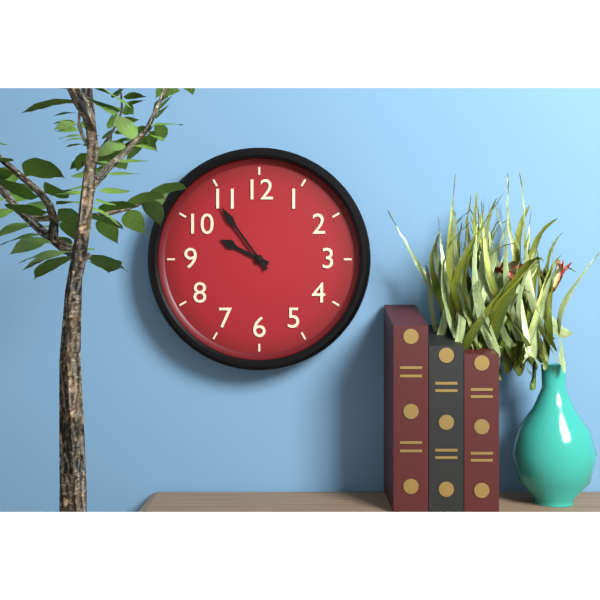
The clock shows **9:54**
